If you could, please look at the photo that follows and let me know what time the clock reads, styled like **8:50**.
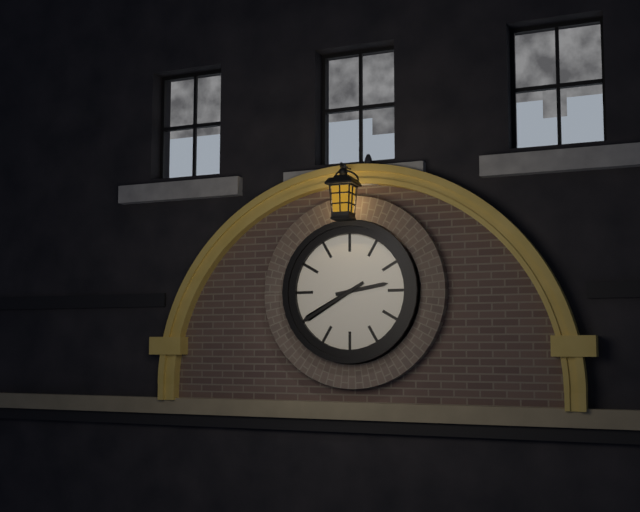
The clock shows **2:40**
